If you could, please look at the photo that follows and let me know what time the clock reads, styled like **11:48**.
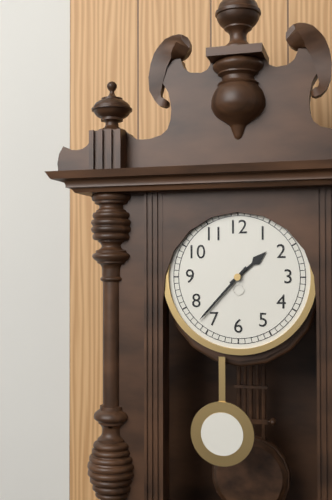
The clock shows **1:37**
